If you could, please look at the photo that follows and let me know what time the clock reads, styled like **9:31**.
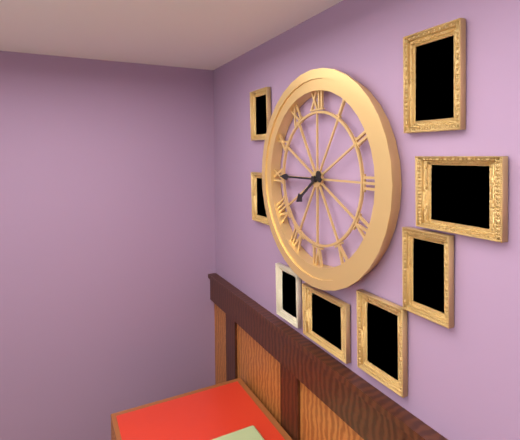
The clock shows **7:45**
